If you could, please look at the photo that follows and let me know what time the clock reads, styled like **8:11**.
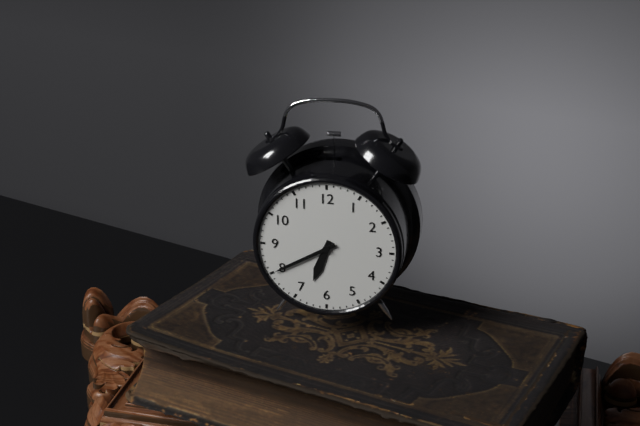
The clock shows **6:40**
